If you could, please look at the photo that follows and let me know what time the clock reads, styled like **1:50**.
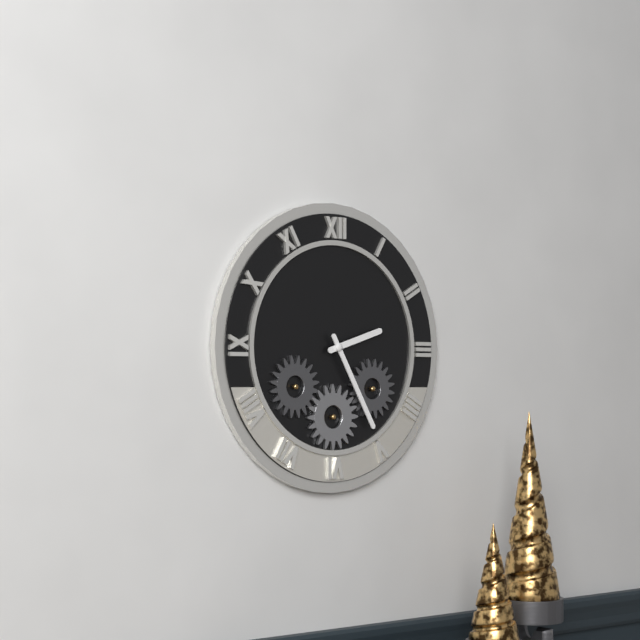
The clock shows **2:25**
